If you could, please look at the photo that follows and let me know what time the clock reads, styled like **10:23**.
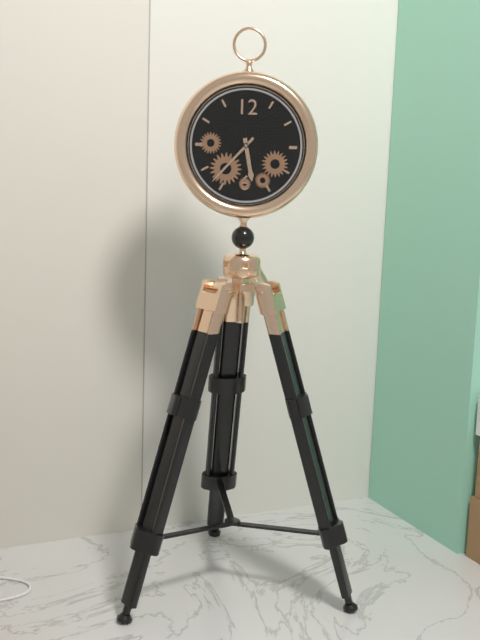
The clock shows **5:37**
